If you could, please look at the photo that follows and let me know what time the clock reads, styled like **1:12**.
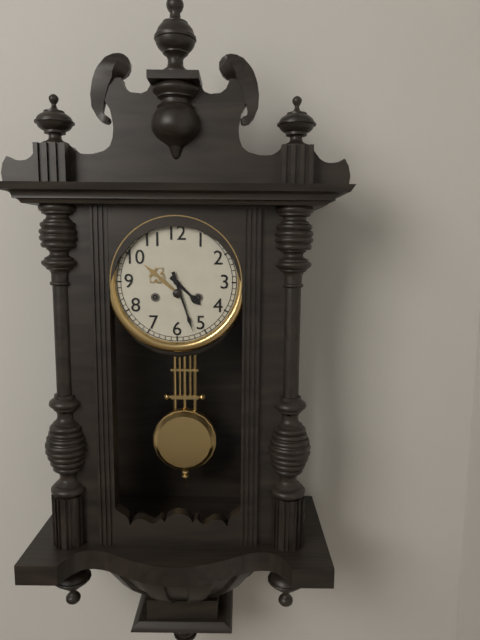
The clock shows **4:27**
